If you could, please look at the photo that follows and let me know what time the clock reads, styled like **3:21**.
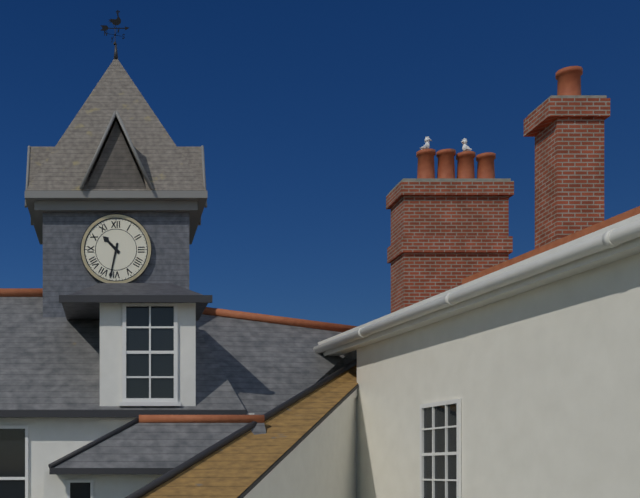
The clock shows **10:32**
